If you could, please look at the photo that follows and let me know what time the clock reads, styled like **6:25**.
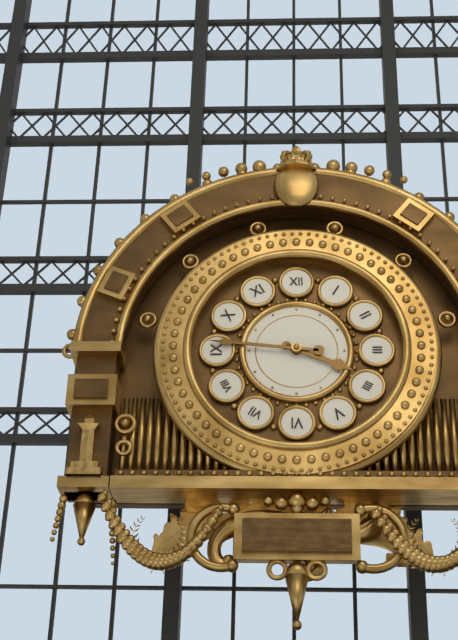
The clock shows **3:46**
